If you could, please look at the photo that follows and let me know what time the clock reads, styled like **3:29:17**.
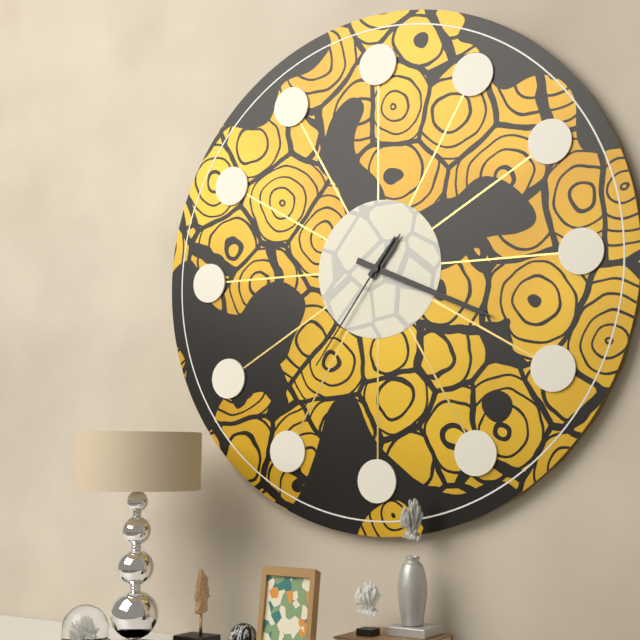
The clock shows **1:19:36**
